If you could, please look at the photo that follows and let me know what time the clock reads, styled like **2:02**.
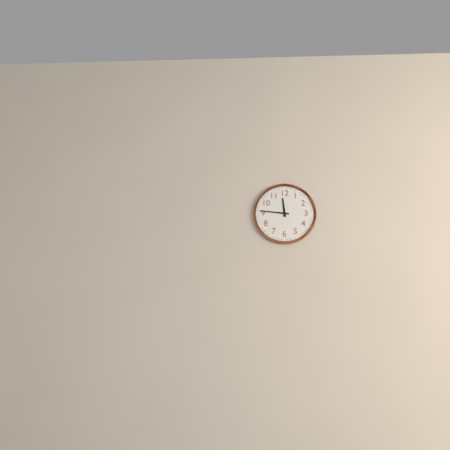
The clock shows **11:46**
